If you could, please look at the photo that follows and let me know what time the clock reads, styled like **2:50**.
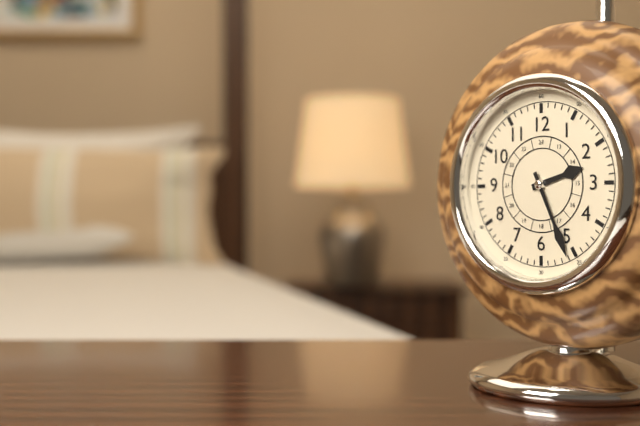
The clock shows **2:26**
